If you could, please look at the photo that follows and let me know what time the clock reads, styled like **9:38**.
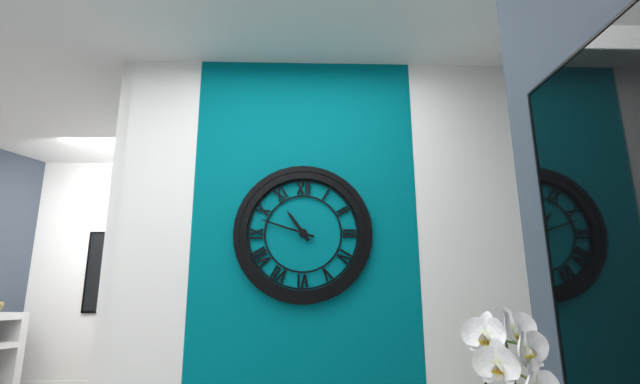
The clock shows **10:48**
